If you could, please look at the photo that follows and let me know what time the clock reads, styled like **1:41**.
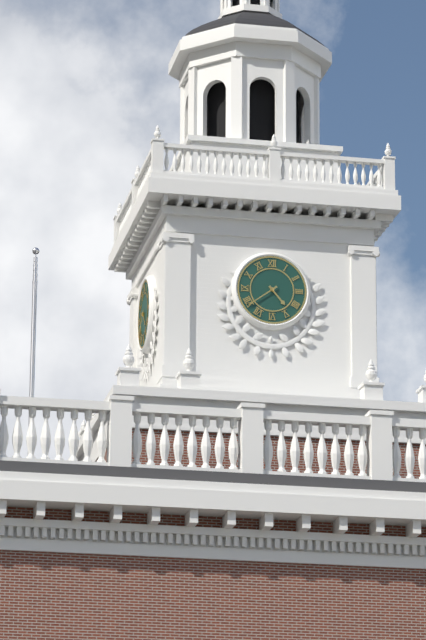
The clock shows **4:39**
